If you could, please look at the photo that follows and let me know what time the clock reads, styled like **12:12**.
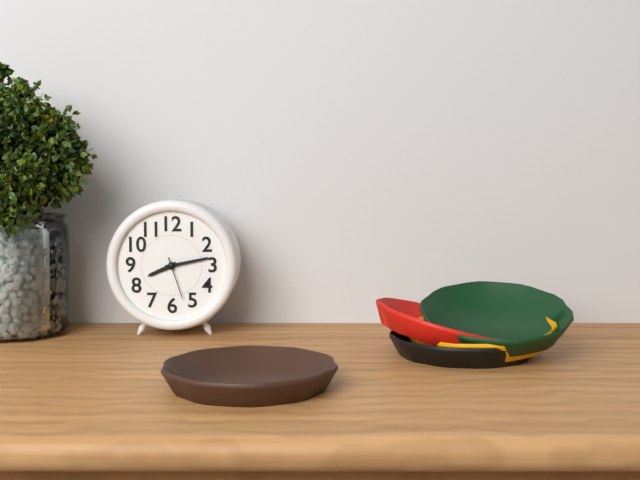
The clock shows **8:13**
